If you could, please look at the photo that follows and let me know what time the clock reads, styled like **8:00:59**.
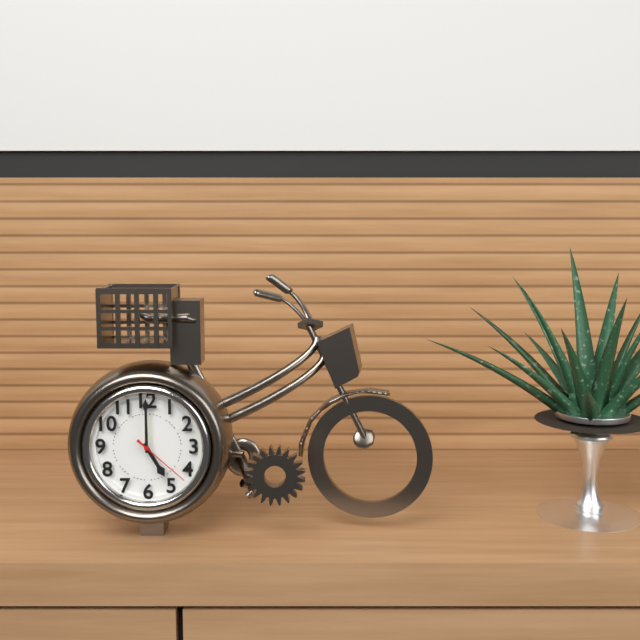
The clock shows **5:00:22**
